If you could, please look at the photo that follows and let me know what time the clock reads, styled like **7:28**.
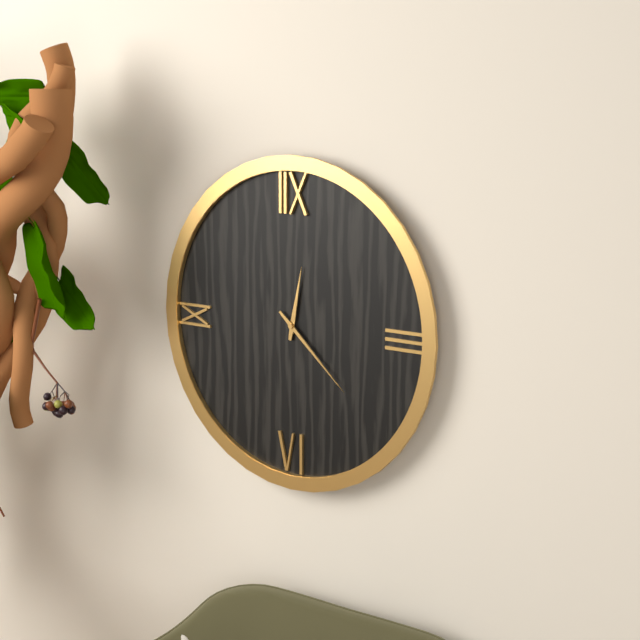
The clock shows **12:22**
